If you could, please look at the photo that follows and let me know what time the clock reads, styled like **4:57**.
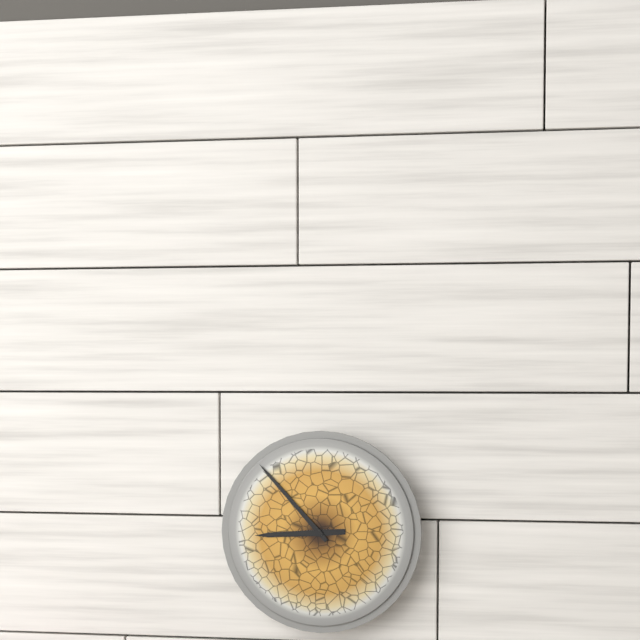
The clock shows **8:53**
